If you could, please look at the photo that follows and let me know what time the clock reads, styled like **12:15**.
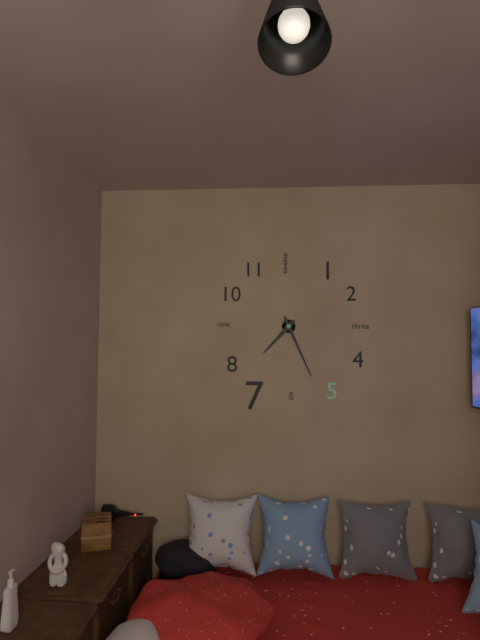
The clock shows **7:26**
